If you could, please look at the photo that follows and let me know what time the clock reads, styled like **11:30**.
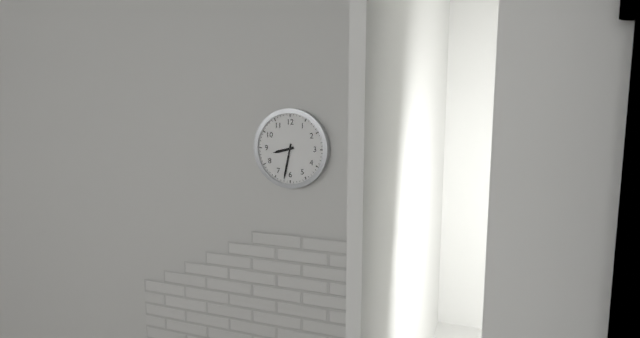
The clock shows **8:32**
